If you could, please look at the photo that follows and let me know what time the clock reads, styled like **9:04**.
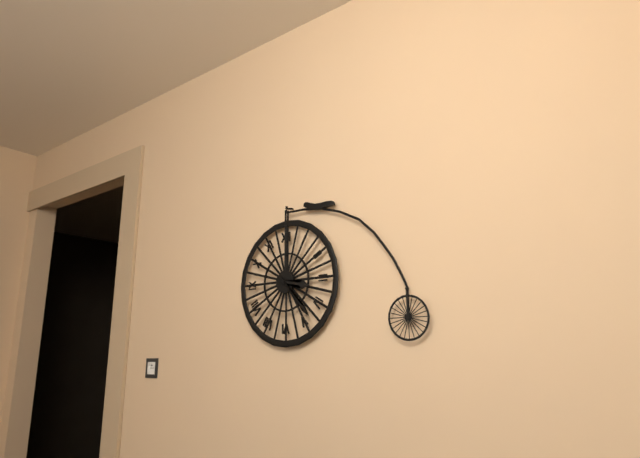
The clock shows **3:23**
